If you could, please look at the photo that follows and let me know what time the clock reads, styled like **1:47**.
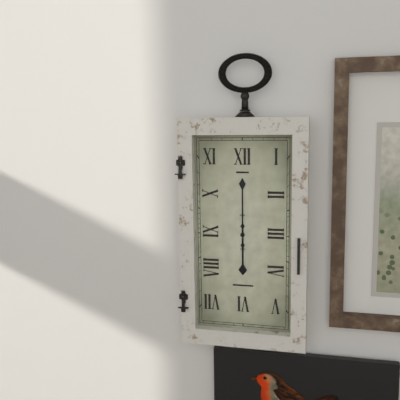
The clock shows **6:00**
